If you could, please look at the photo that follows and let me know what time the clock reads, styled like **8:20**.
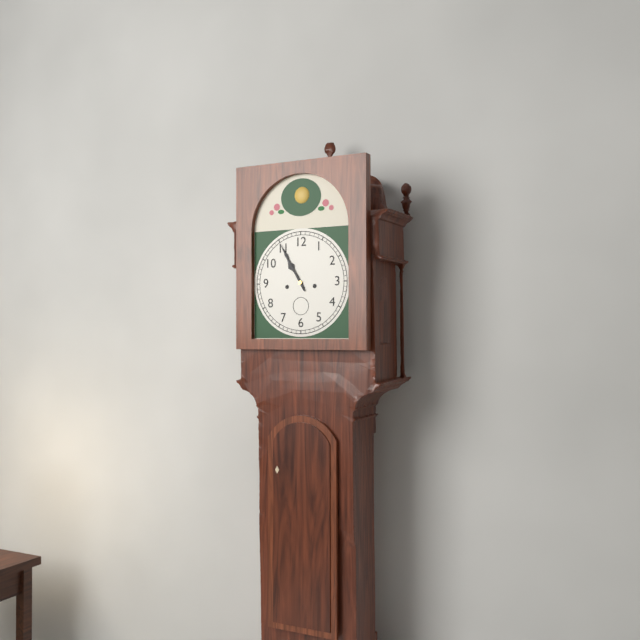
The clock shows **10:55**
